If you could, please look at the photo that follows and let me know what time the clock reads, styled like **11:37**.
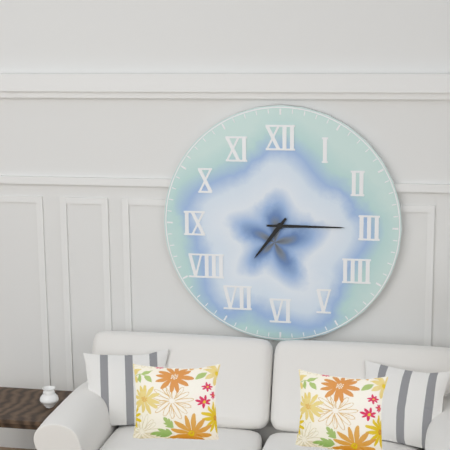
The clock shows **7:15**
